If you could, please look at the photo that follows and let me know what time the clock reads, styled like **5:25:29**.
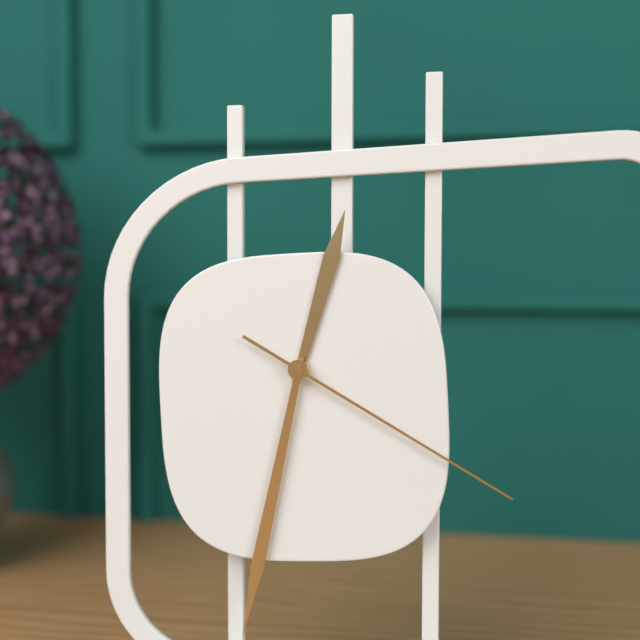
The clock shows **12:32:20**
